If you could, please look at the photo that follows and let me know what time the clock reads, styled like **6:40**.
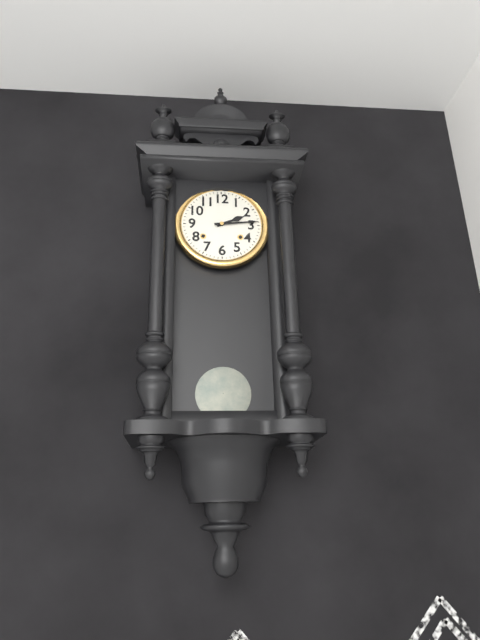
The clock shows **2:14**
